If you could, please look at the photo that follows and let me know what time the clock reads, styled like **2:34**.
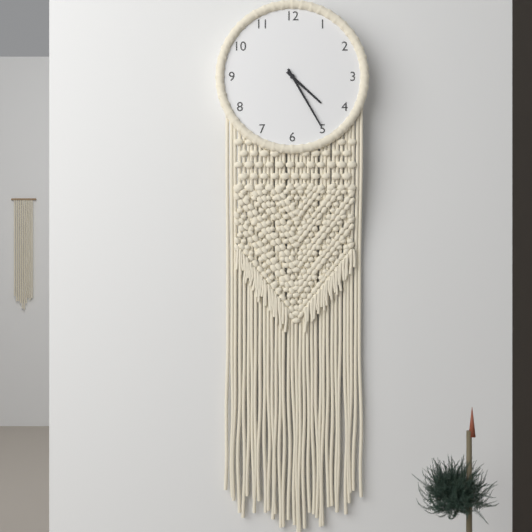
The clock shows **4:25**
